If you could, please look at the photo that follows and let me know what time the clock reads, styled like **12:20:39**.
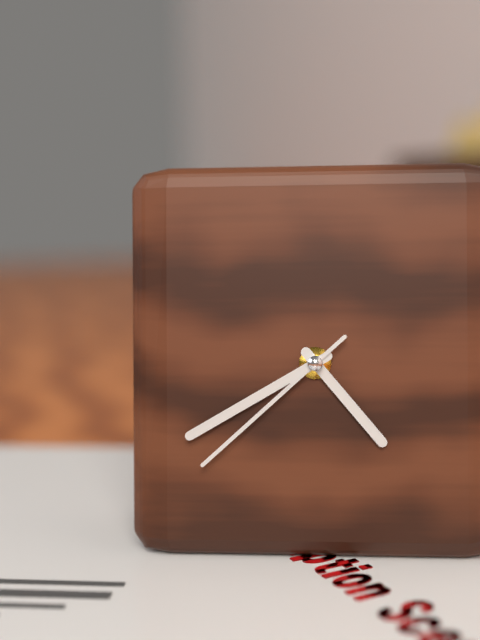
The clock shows **4:40:38**
